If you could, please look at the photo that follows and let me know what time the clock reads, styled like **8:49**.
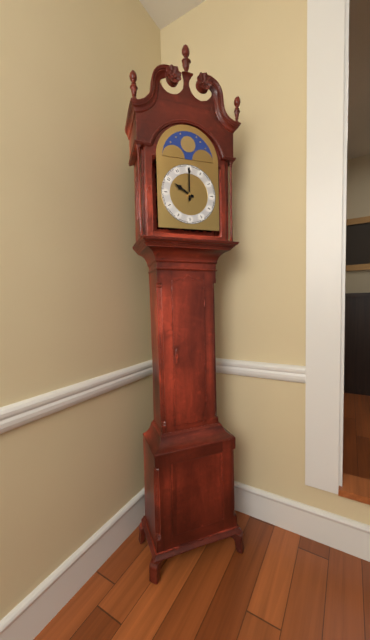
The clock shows **10:00**
